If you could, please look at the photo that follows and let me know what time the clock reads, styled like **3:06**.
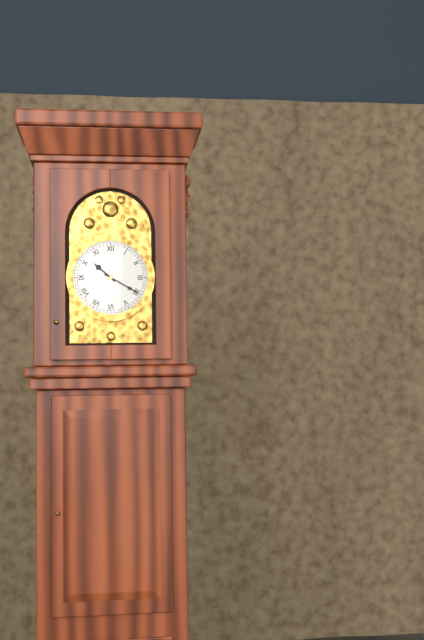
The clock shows **10:20**
